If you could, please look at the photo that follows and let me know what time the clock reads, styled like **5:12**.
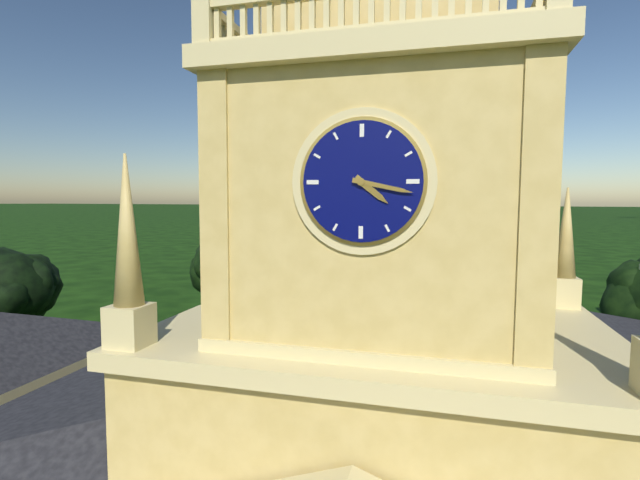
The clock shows **4:17**
